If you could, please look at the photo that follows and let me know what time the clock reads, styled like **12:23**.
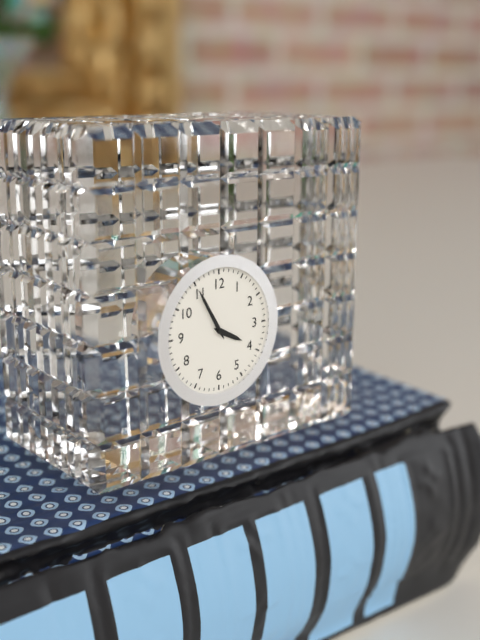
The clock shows **3:55**
